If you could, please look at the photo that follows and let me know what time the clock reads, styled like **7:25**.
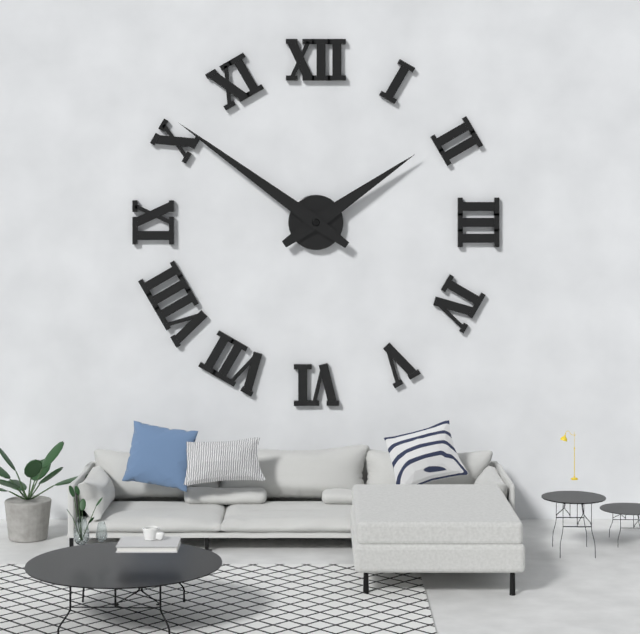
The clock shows **1:51**
